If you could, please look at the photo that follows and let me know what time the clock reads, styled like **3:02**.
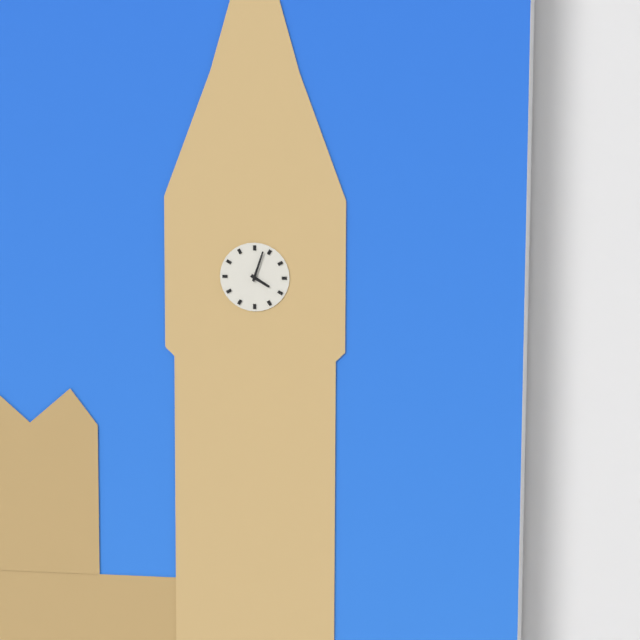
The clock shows **4:03**
